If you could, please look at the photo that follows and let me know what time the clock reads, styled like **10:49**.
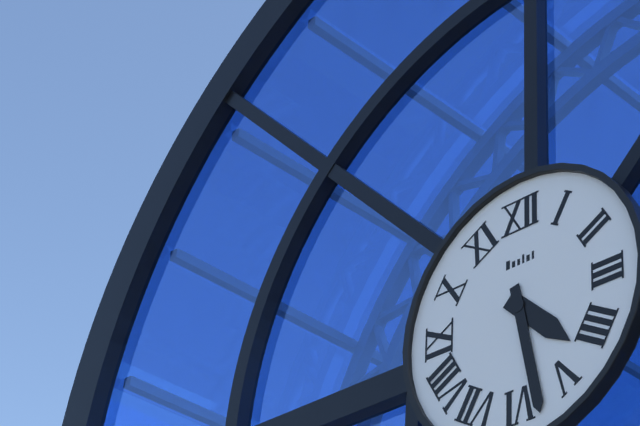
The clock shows **4:28**
